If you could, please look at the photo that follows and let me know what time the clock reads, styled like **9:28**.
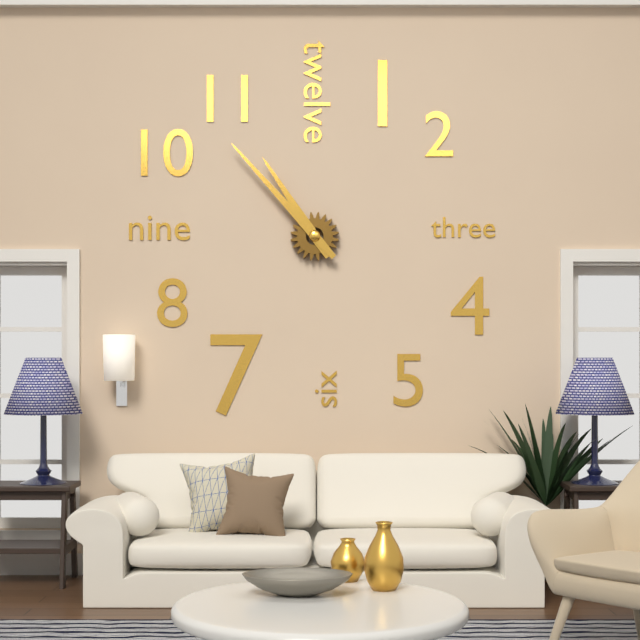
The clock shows **10:53**
